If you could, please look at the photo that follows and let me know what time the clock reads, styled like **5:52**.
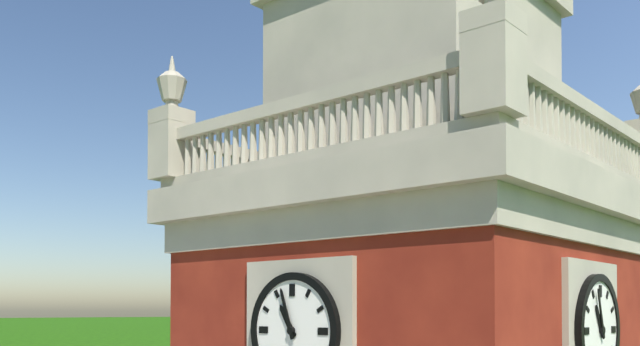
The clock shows **10:57**
